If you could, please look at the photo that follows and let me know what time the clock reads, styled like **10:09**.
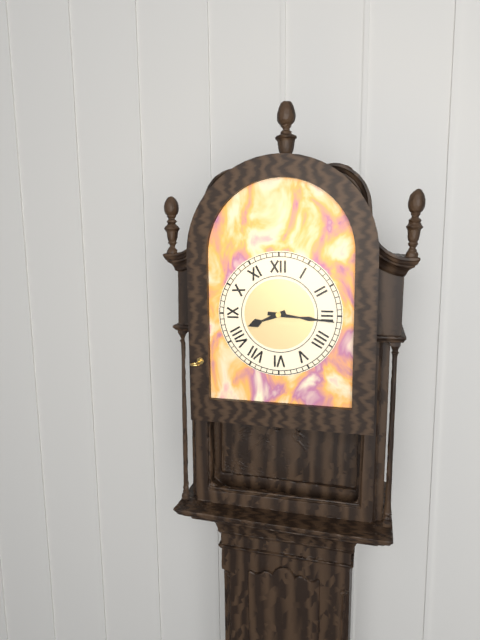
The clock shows **8:16**
